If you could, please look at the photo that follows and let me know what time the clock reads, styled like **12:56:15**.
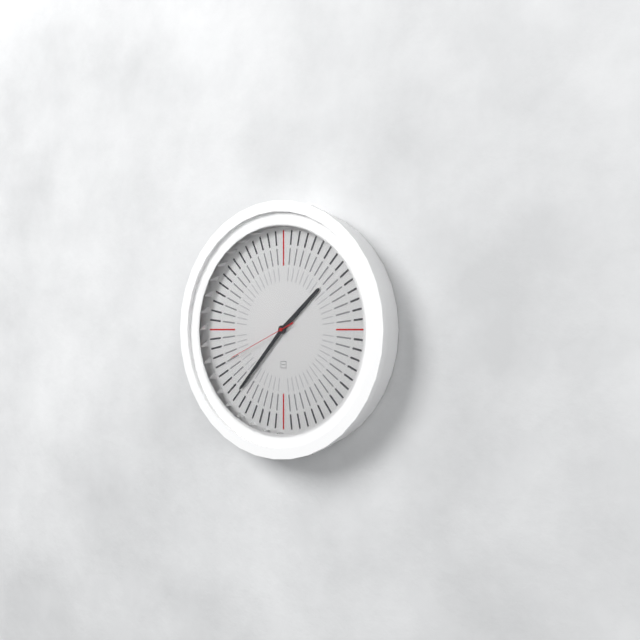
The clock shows **1:37:41**
